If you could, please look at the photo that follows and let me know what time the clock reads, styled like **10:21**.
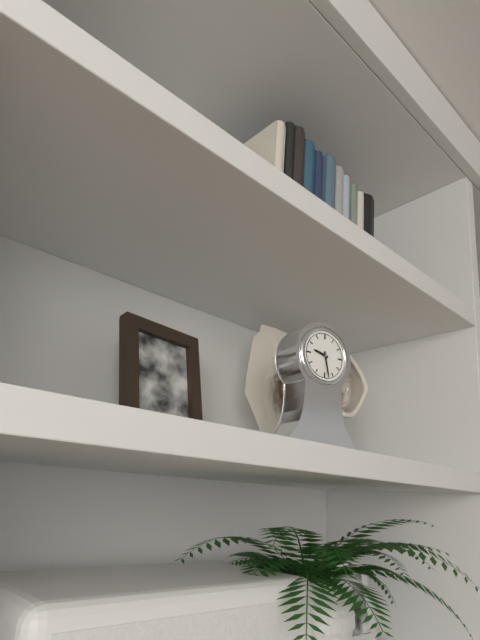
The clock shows **9:28**
